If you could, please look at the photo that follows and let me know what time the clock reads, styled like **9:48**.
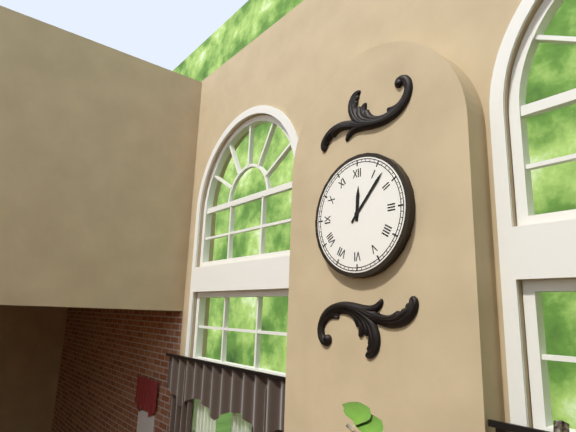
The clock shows **12:07**
